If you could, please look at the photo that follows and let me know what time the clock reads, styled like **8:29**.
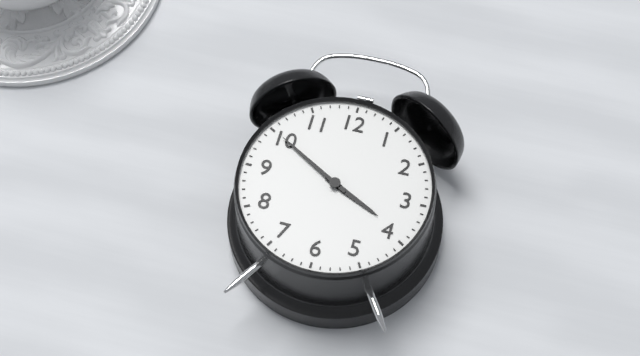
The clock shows **3:50**
